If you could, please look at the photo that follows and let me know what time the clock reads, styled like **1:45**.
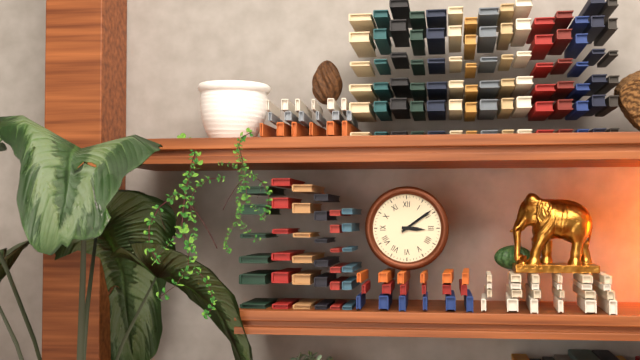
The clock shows **3:09**
